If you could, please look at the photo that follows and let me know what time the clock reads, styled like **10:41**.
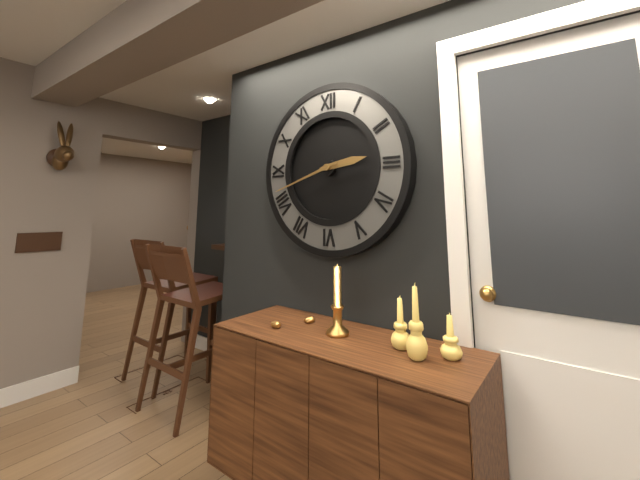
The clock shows **2:42**
